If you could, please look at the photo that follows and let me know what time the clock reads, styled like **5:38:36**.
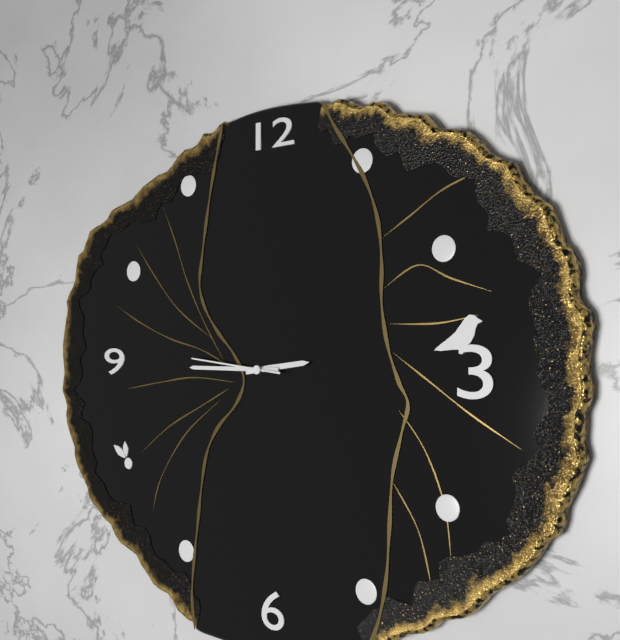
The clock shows **2:45:46**
